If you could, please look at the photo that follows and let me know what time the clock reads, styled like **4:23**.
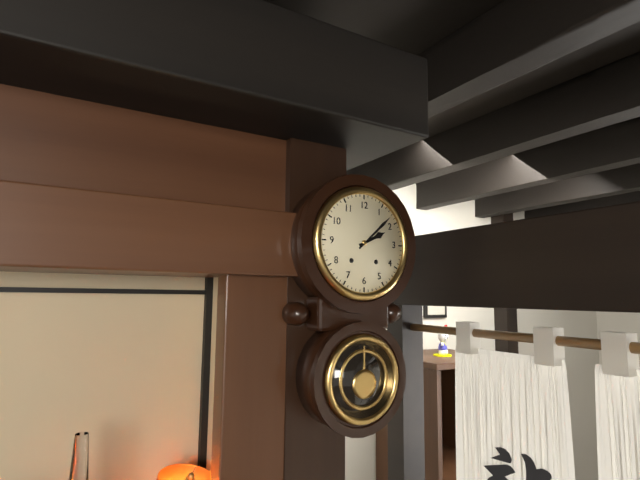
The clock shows **2:08**
